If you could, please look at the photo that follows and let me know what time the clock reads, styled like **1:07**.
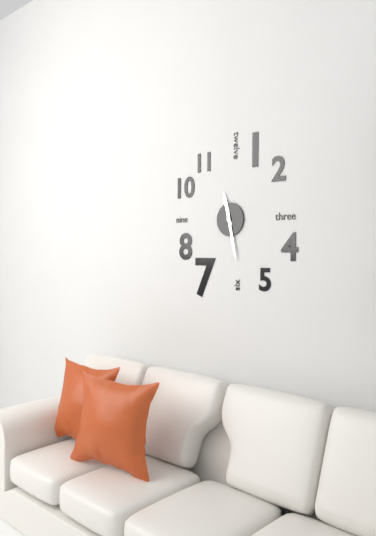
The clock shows **11:28**
